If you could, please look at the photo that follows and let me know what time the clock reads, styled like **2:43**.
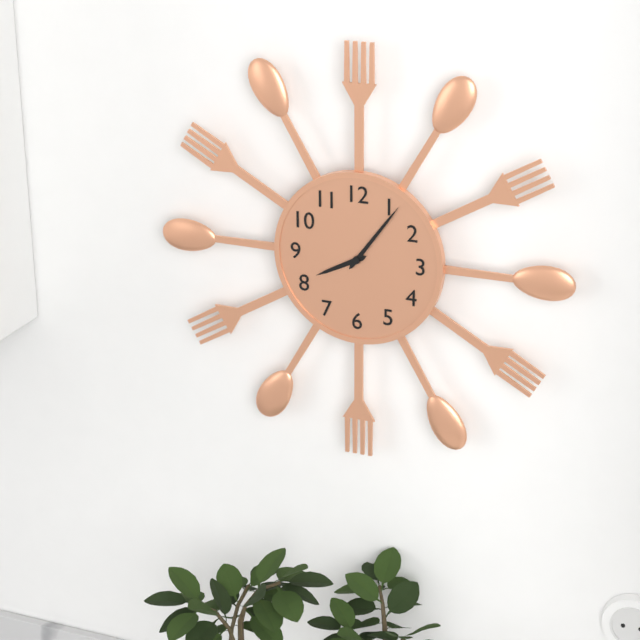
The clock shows **8:06**
